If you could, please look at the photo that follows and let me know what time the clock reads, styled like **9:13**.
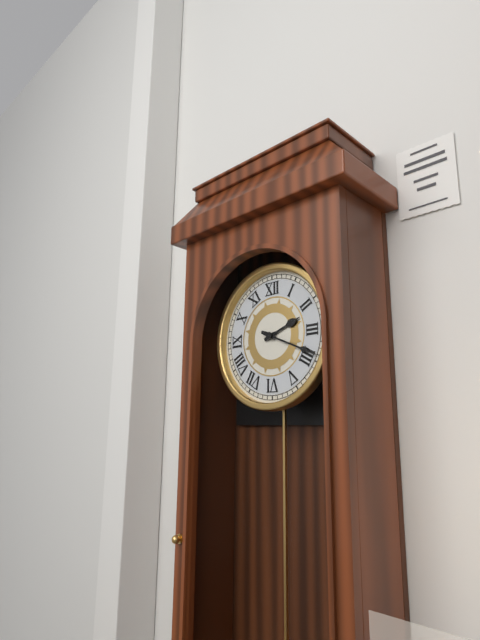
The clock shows **2:19**
